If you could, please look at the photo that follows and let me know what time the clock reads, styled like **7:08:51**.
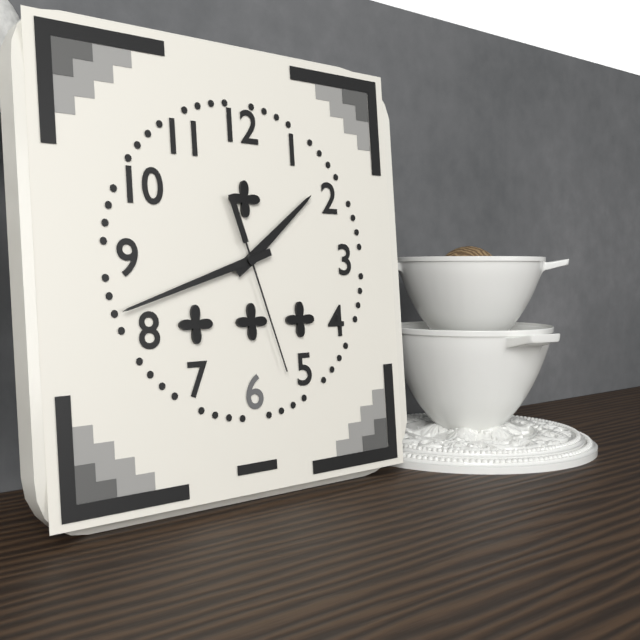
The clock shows **1:42:27**
